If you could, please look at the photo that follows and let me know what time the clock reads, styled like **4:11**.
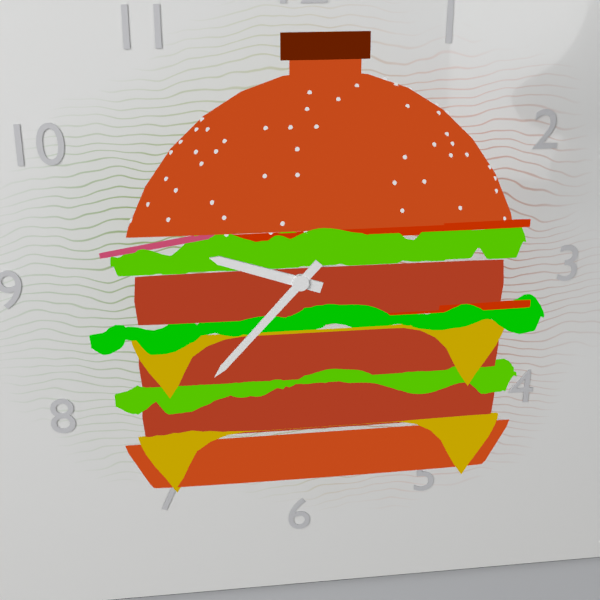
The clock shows **9:37**
